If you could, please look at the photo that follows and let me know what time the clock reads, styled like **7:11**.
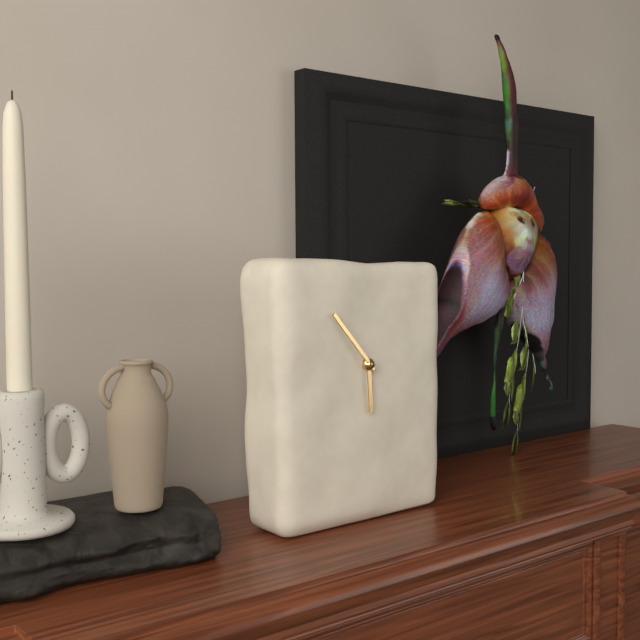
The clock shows **5:53**
